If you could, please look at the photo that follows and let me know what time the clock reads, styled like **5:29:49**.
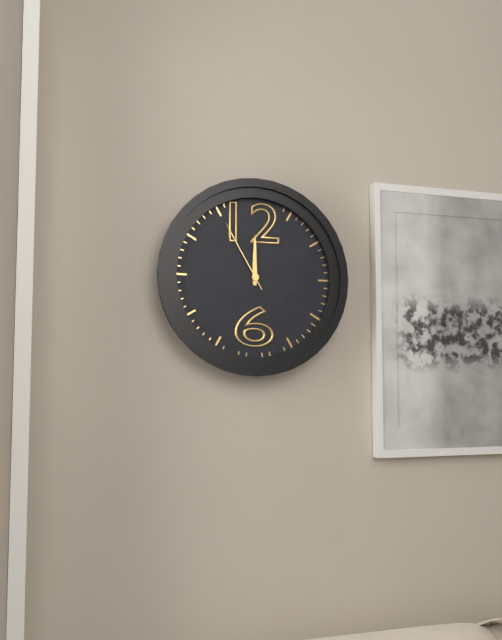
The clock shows **12:00:55**
